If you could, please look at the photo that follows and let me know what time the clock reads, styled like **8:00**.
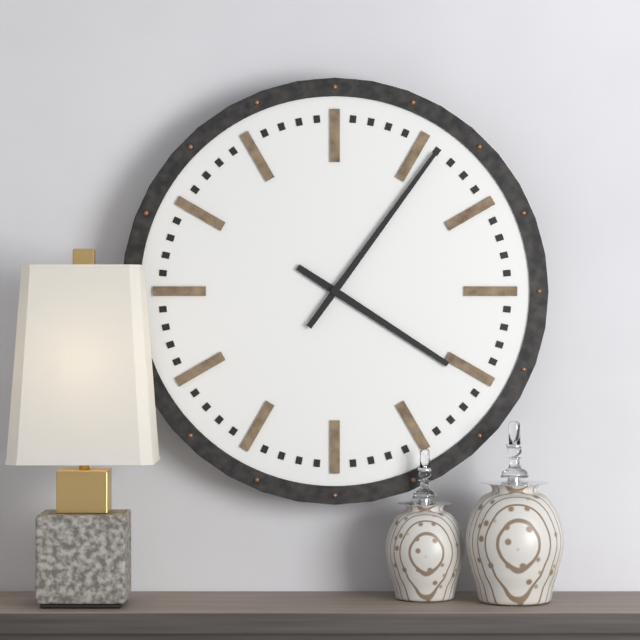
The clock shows **4:06**
